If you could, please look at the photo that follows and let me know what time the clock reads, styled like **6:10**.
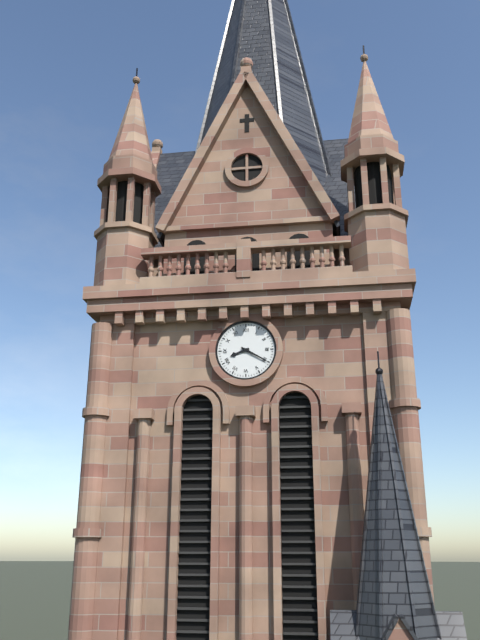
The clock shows **8:20**
